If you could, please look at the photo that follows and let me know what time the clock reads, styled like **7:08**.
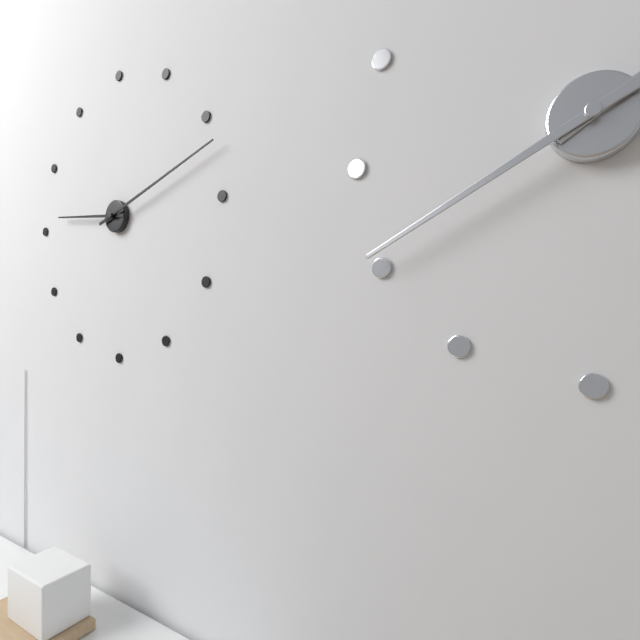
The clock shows **9:12**
